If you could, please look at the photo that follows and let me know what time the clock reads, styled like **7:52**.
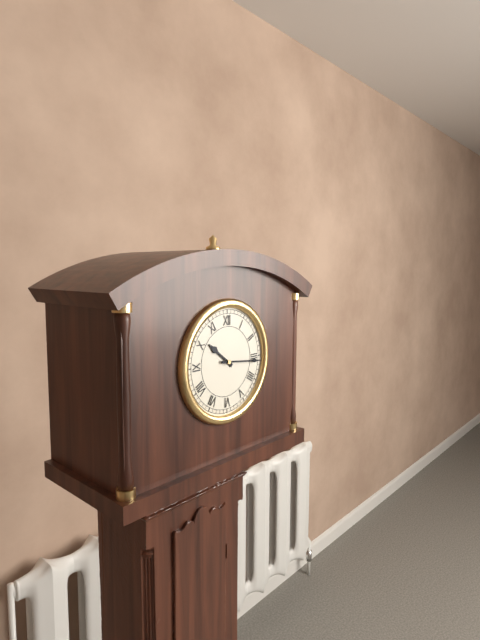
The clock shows **10:16**
